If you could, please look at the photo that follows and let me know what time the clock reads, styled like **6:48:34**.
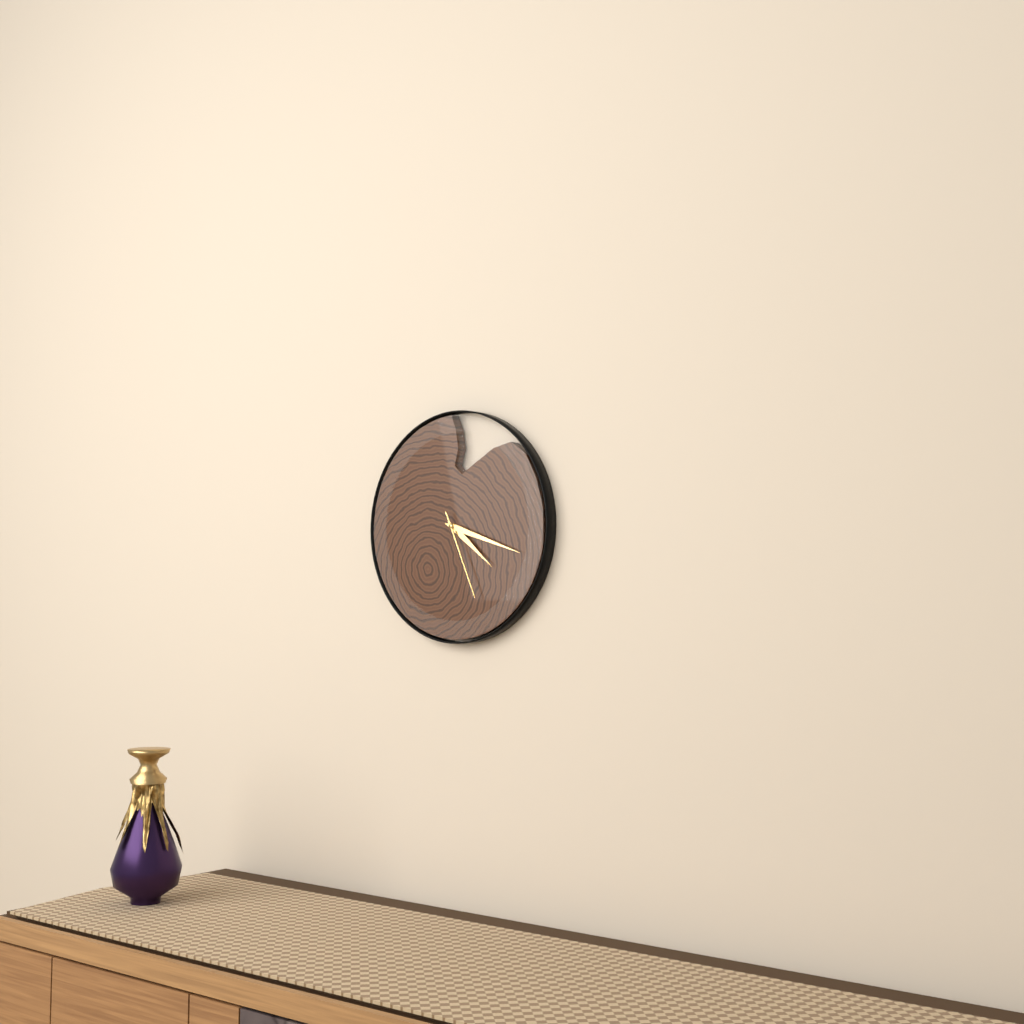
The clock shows **4:18:26**
